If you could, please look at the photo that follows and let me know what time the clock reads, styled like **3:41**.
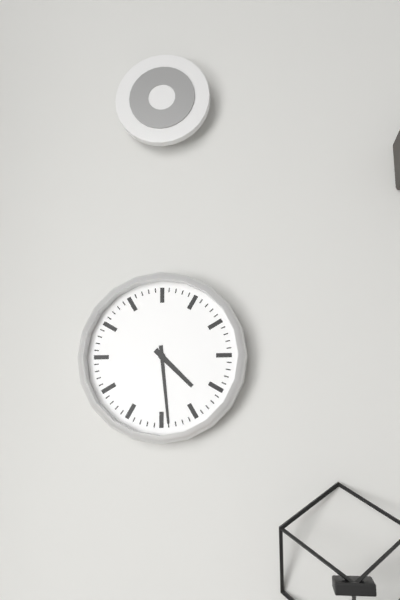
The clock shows **4:29**
